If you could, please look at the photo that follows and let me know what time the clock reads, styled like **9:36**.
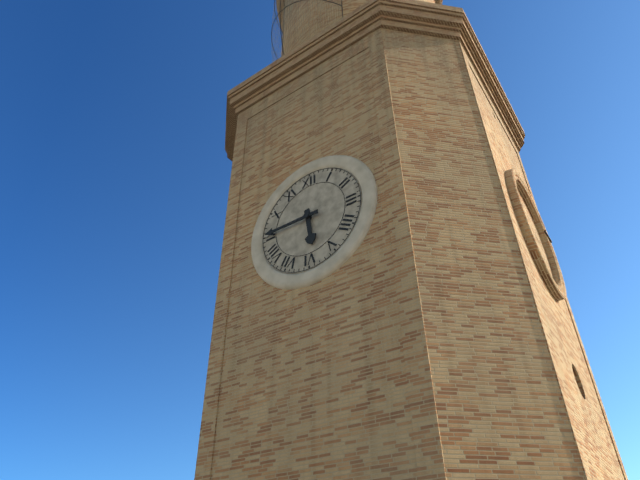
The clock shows **5:45**
